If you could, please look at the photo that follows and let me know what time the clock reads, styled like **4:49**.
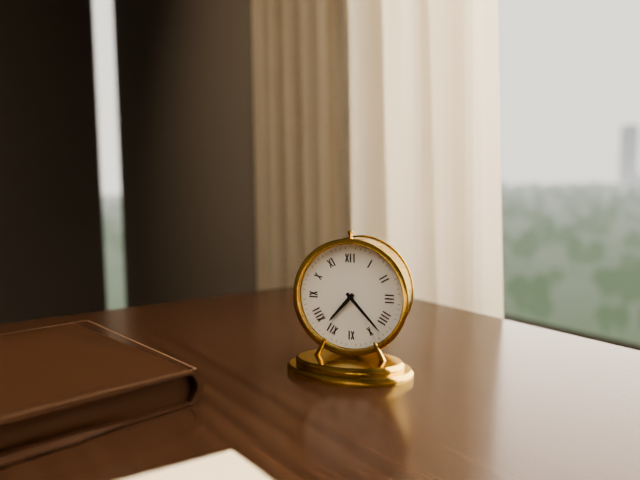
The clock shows **7:23**
